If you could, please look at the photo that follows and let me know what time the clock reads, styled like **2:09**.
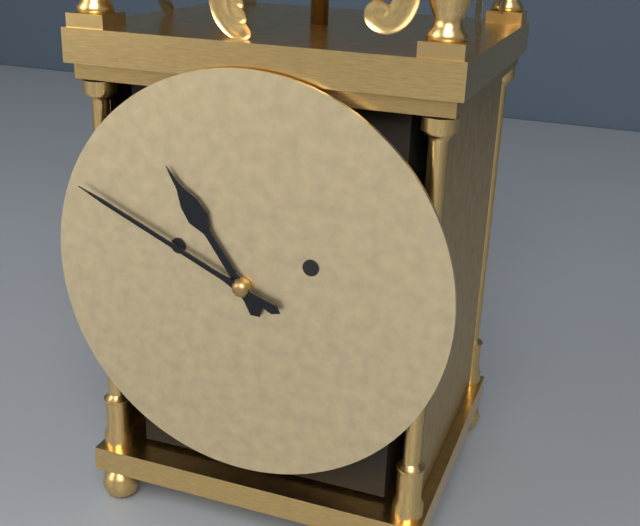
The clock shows **10:49**
